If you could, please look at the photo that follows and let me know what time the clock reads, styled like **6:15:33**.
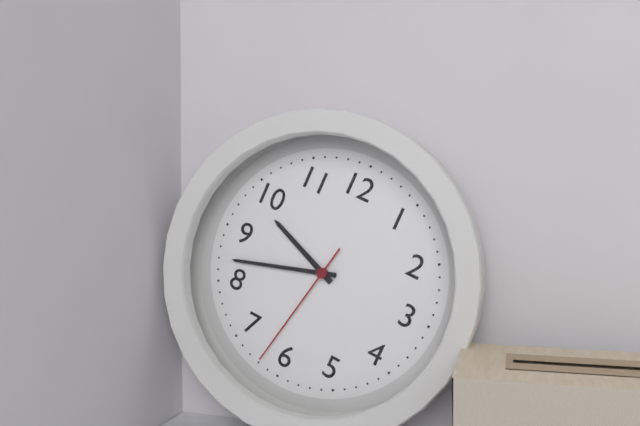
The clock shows **9:42:32**
